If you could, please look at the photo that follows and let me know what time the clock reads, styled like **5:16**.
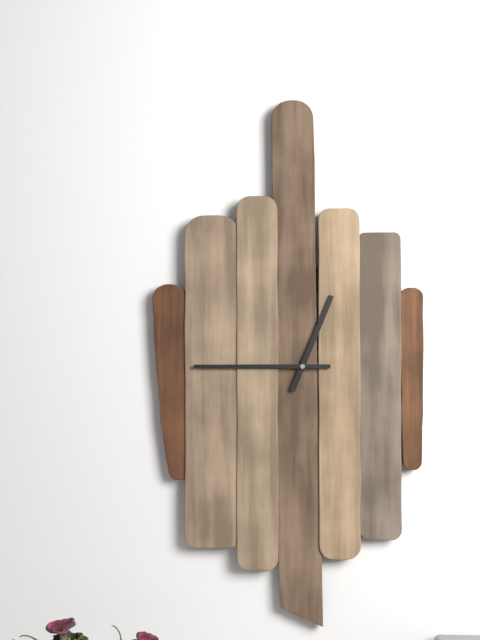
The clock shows **12:45**
